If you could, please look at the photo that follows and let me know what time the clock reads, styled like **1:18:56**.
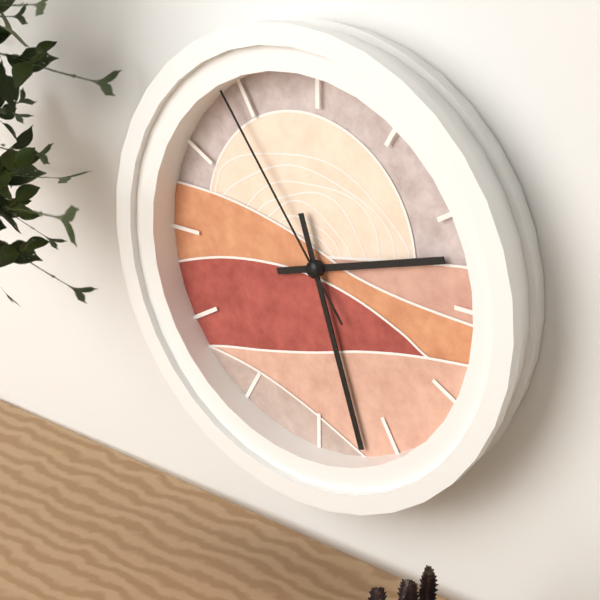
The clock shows **2:27:54**
